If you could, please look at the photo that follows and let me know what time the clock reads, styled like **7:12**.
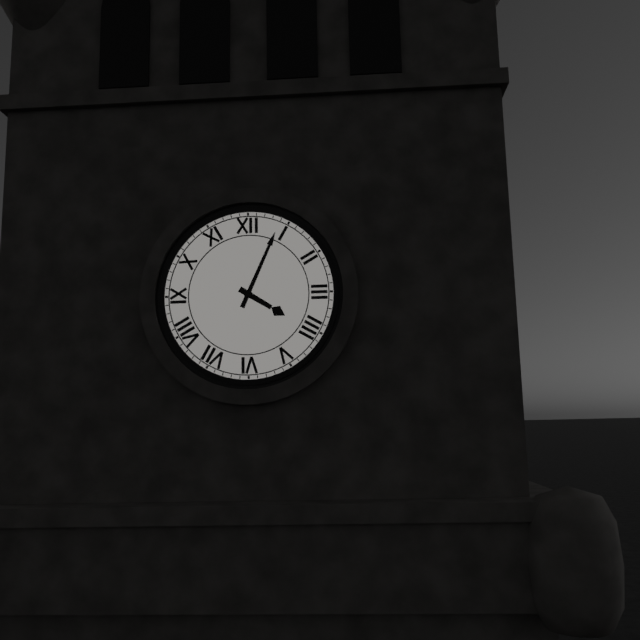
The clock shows **4:04**
